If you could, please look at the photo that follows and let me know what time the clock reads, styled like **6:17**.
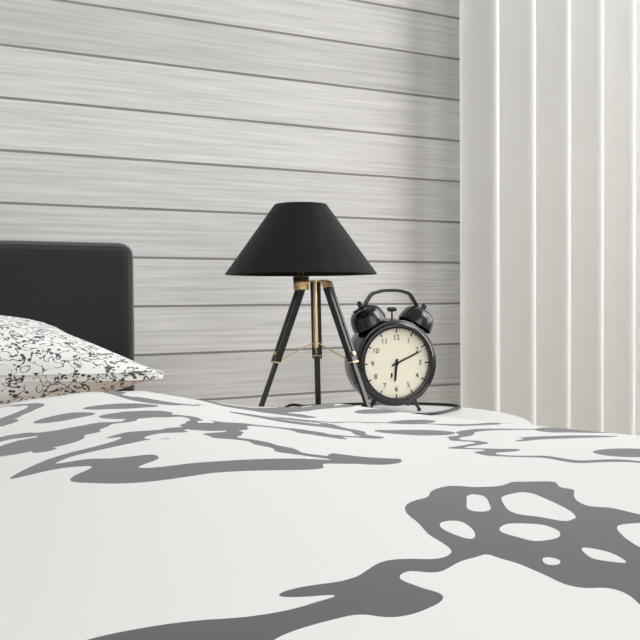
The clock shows **6:11**
